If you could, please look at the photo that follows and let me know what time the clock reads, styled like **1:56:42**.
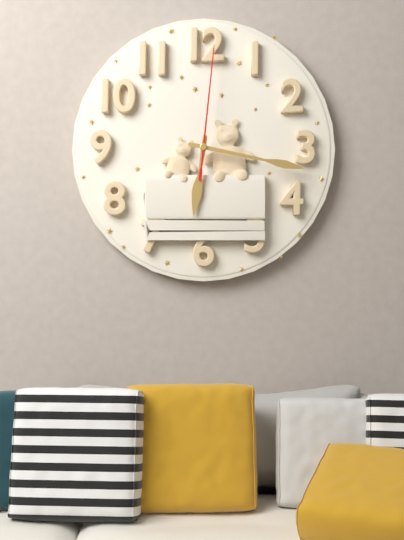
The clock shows **6:17:01**
